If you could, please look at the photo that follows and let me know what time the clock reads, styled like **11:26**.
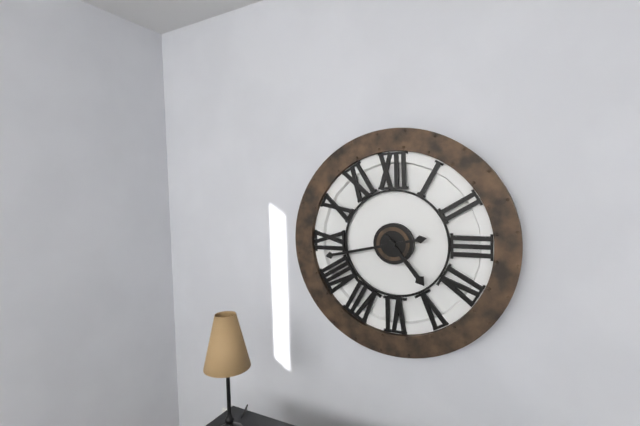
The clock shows **4:43**
